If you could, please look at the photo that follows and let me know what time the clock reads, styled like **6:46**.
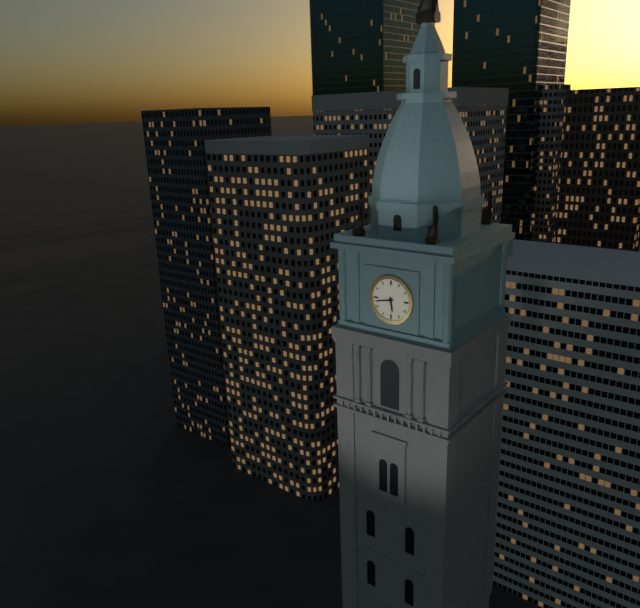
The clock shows **5:43**
